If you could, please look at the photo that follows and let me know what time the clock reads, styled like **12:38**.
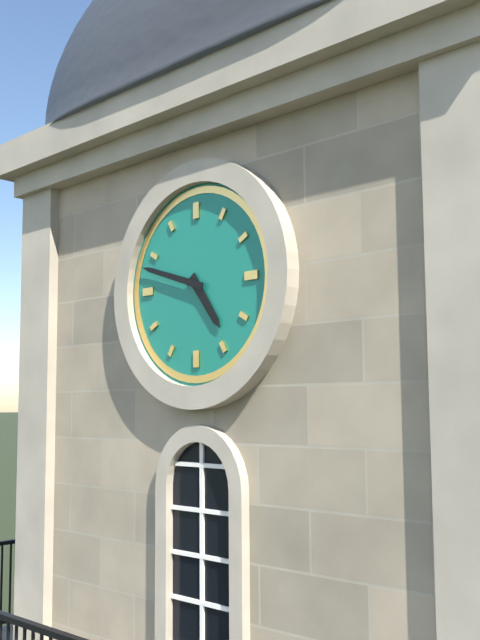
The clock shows **4:48**
